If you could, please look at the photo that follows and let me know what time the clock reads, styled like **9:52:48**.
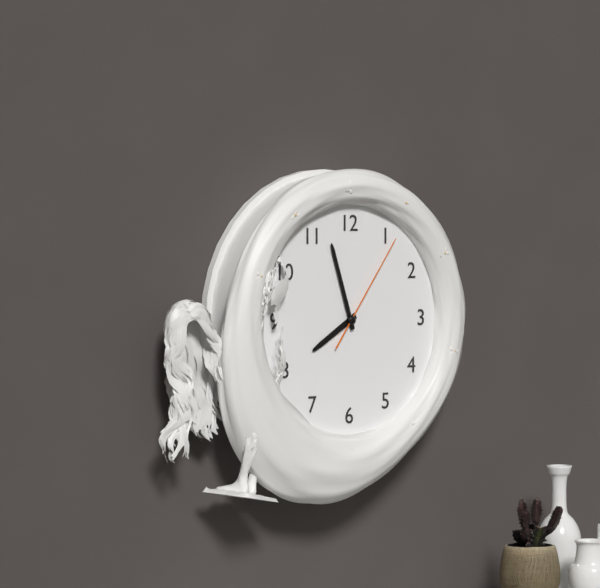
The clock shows **7:57:06**
